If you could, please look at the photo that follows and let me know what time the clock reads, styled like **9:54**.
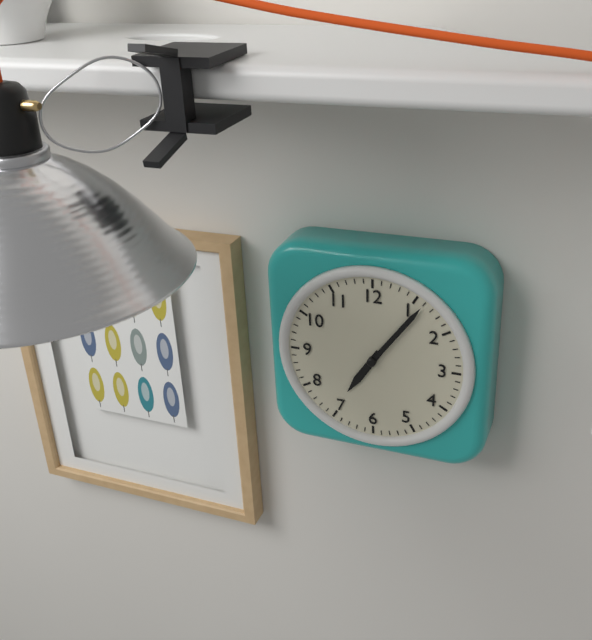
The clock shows **7:06**
